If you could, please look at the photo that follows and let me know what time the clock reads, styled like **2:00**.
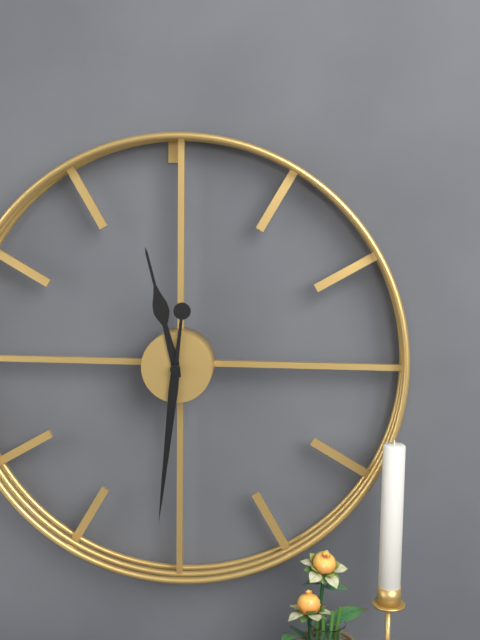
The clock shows **11:31**
